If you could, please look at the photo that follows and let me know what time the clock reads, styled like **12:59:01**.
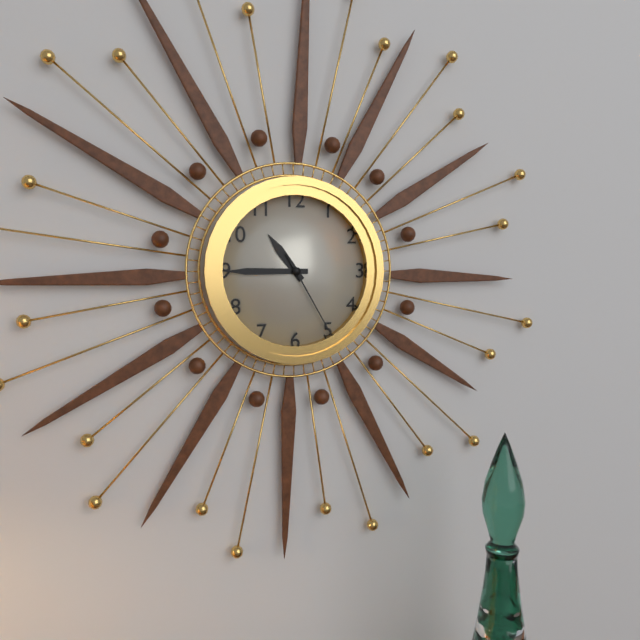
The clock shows **10:45:25**
